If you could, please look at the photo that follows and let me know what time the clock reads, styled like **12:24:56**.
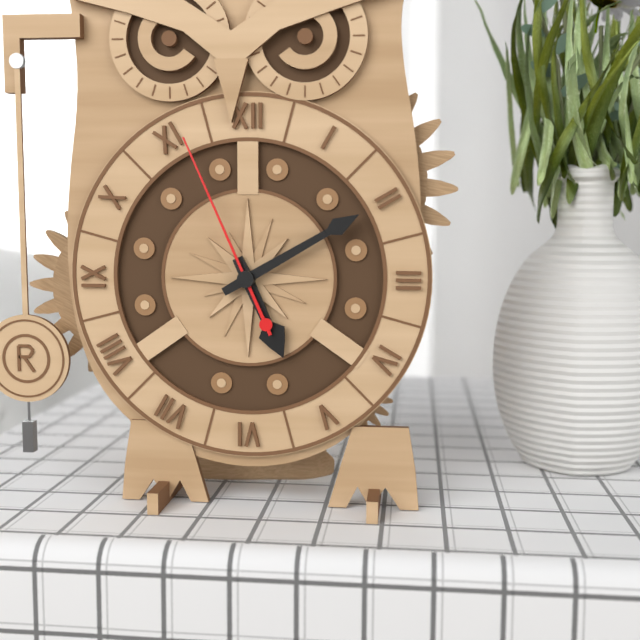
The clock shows **5:10:56**
